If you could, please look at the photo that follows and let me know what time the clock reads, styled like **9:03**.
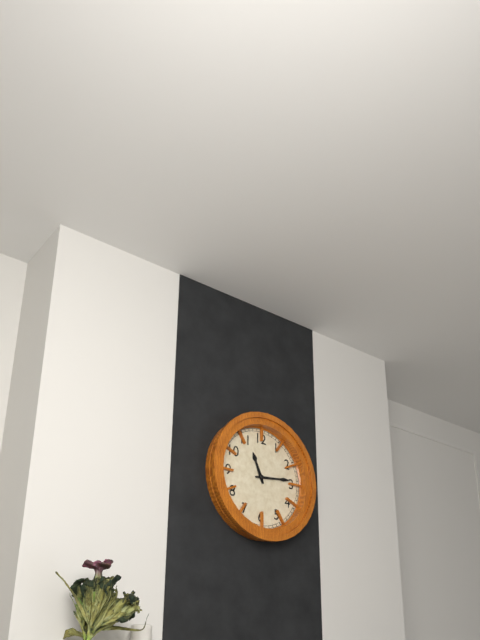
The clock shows **11:14**
